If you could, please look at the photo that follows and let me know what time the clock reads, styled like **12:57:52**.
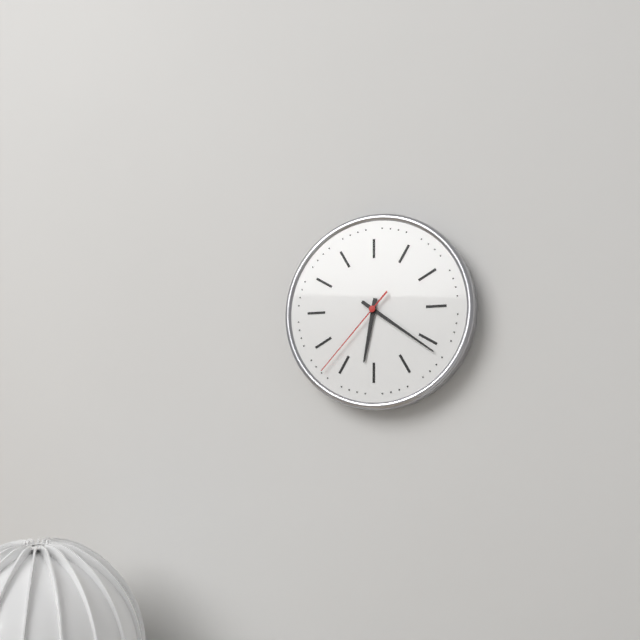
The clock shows **6:21:37**
